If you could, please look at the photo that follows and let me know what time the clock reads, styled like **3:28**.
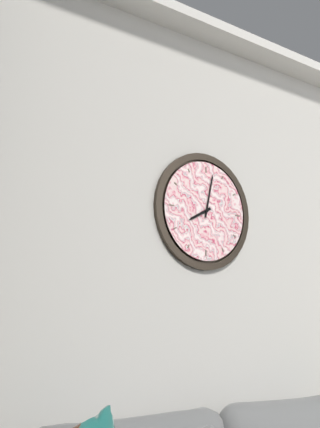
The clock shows **8:02**
